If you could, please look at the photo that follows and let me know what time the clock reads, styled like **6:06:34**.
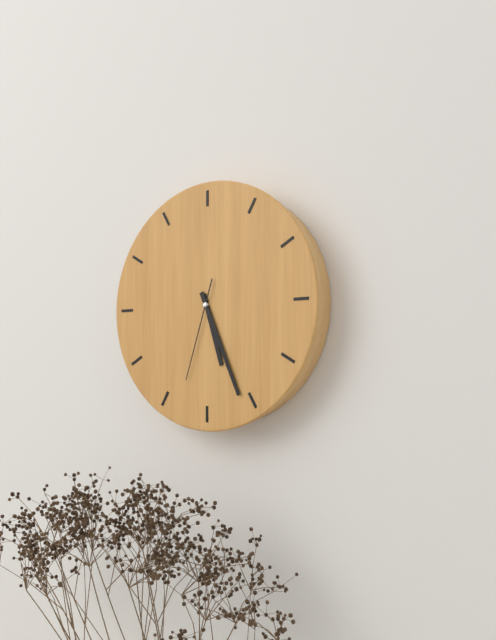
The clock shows **5:26:33**
